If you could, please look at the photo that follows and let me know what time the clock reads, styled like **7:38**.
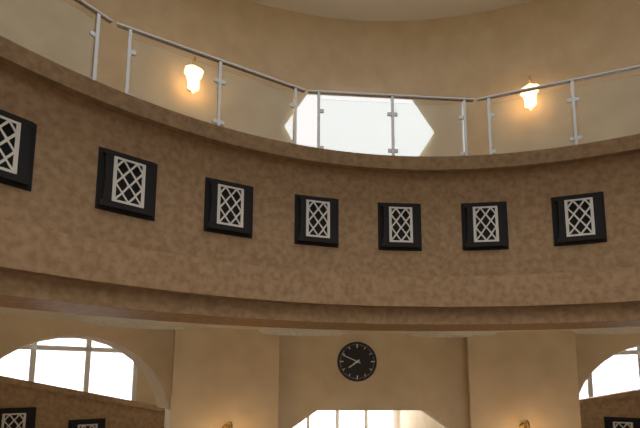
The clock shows **7:49**
